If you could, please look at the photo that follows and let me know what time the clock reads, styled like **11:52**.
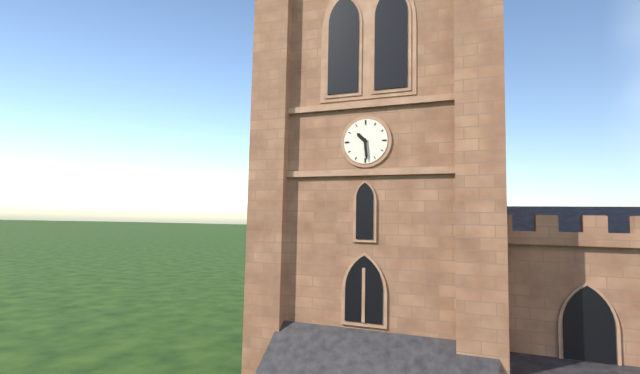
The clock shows **10:29**
